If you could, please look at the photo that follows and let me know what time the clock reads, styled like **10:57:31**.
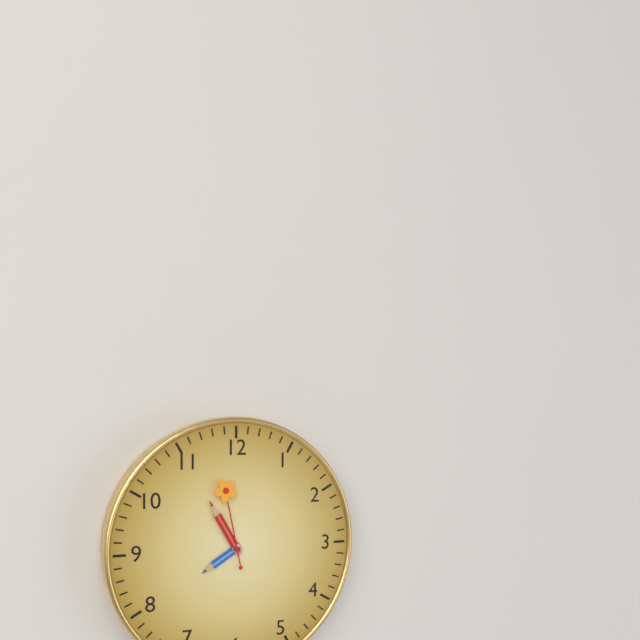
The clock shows **7:55:58**
